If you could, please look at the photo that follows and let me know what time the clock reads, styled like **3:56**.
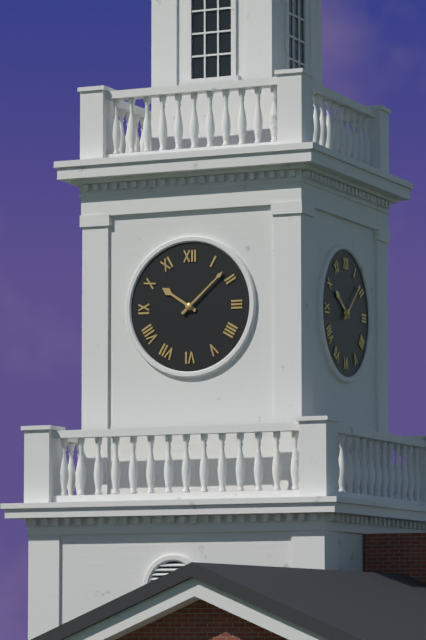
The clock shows **10:08**
